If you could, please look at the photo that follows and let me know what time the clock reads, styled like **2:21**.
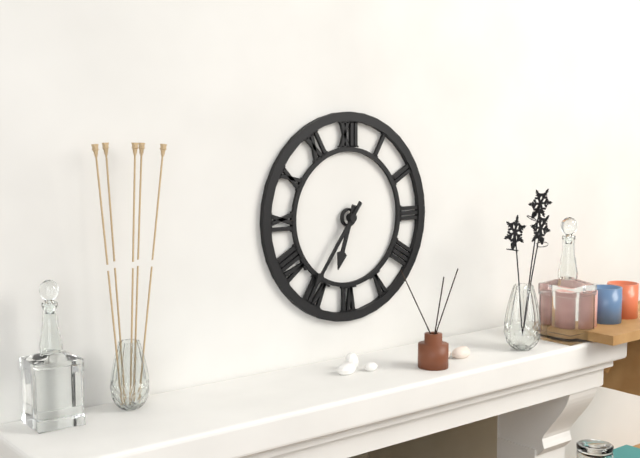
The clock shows **6:36**
